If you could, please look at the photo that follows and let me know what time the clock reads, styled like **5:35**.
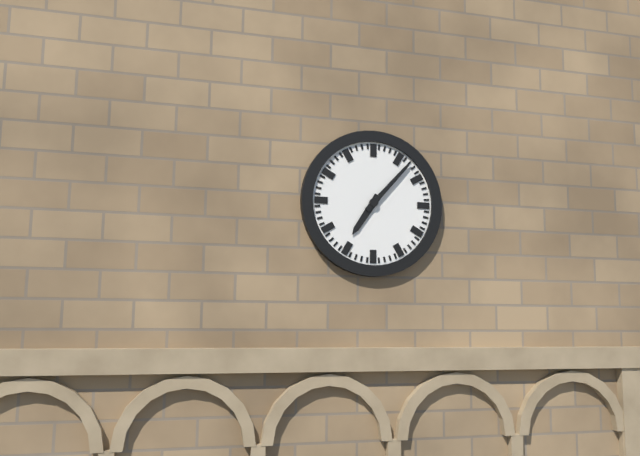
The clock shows **7:07**
